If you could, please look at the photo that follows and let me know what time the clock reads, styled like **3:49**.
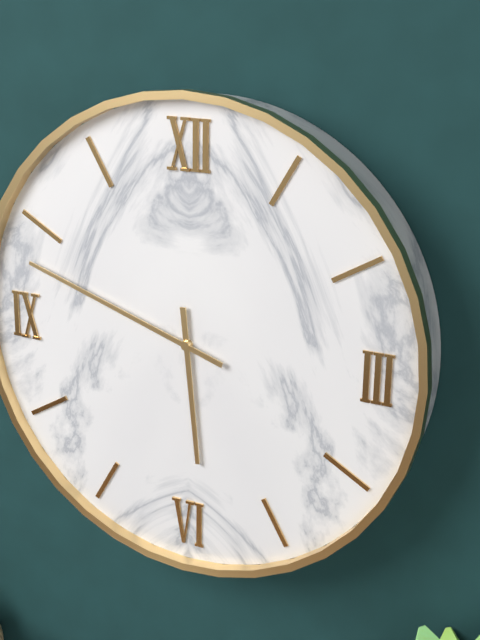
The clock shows **5:48**
